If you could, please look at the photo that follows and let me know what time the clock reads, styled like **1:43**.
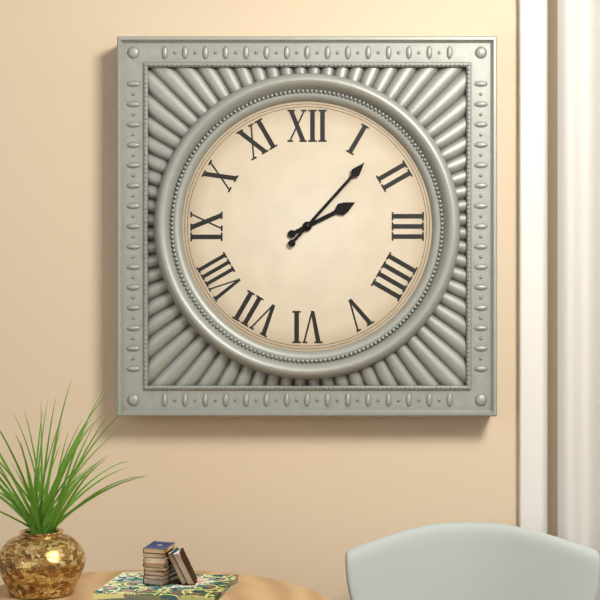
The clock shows **2:07**
